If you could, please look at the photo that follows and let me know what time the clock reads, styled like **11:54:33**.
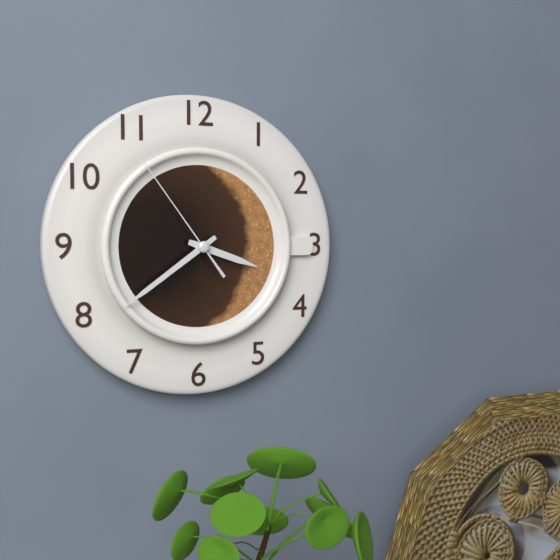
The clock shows **3:39:54**
